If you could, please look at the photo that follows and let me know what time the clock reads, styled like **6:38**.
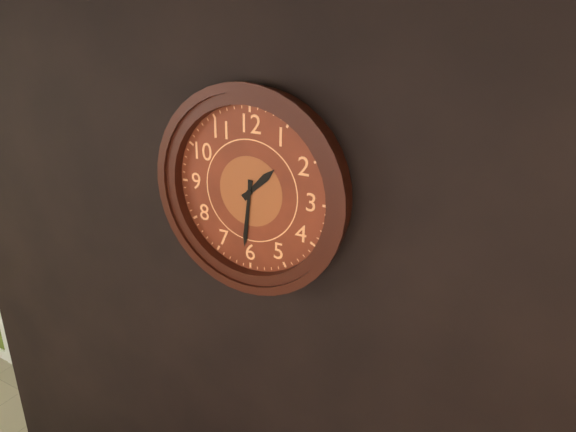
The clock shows **1:31**
